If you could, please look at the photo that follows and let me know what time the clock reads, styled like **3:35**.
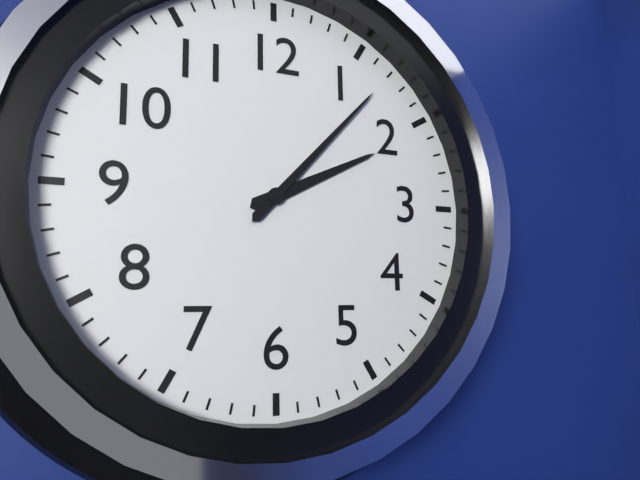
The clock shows **2:07**
